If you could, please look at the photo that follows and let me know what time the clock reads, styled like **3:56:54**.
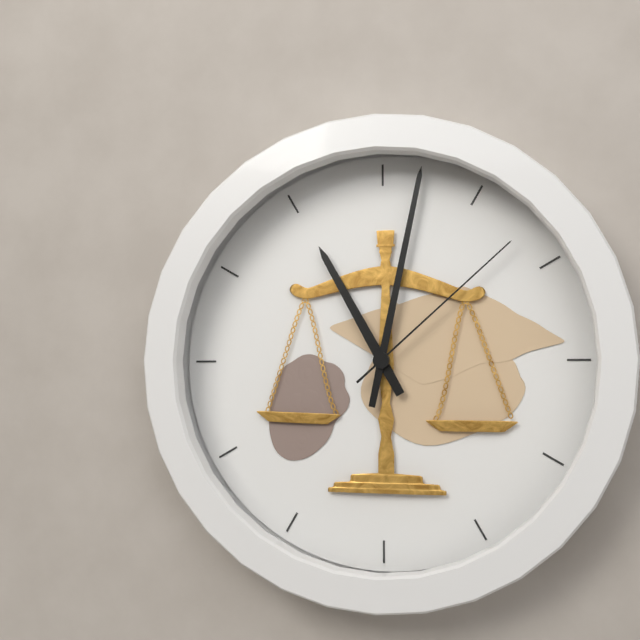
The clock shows **11:02:08**
